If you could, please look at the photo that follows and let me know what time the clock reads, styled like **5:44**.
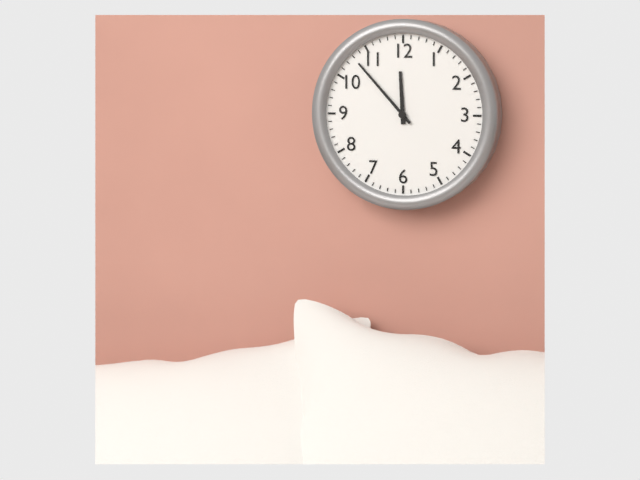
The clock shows **11:53**
